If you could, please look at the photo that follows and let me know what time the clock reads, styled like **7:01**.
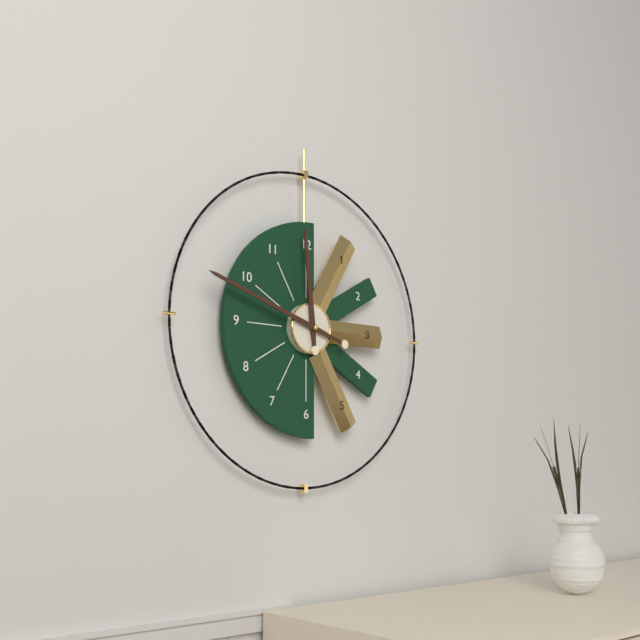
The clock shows **11:48**
